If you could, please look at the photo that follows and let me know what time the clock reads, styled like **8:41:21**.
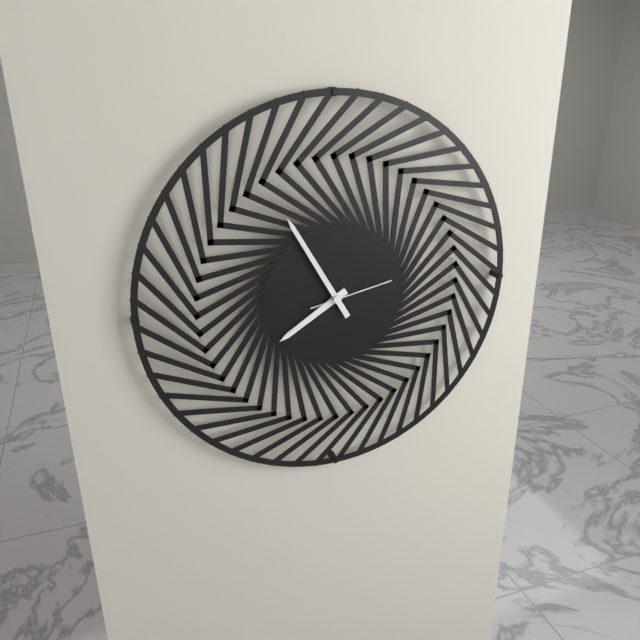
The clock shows **7:55:13**
